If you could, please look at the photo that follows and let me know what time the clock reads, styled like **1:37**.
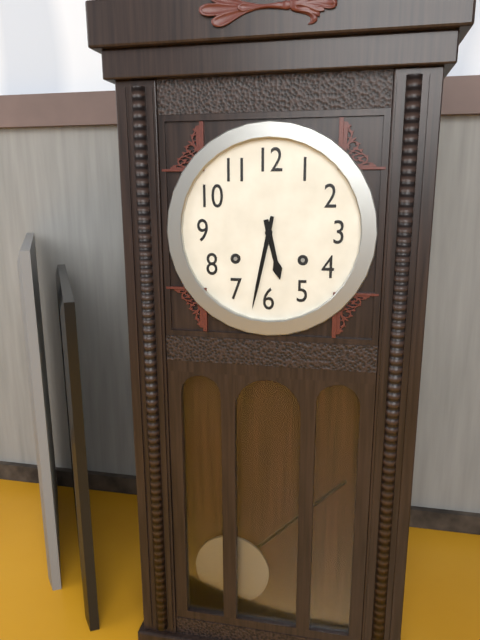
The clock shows **5:32**
